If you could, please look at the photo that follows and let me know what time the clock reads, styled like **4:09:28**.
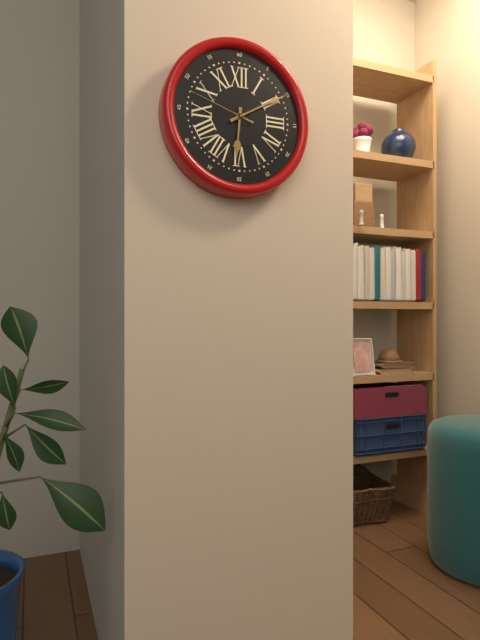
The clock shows **6:10:48**
